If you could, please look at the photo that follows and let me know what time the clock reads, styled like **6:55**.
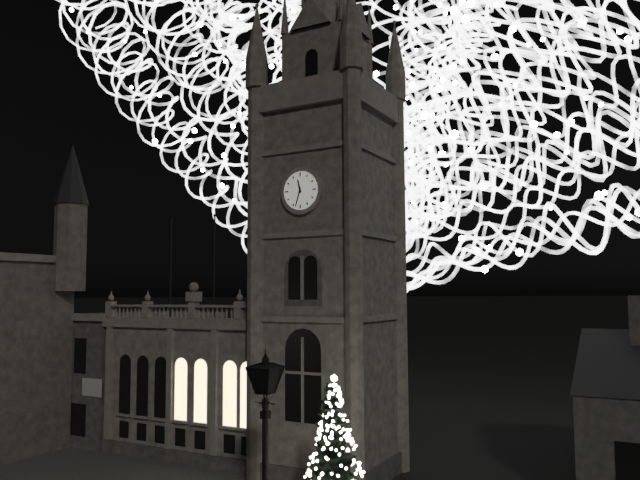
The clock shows **11:33**
